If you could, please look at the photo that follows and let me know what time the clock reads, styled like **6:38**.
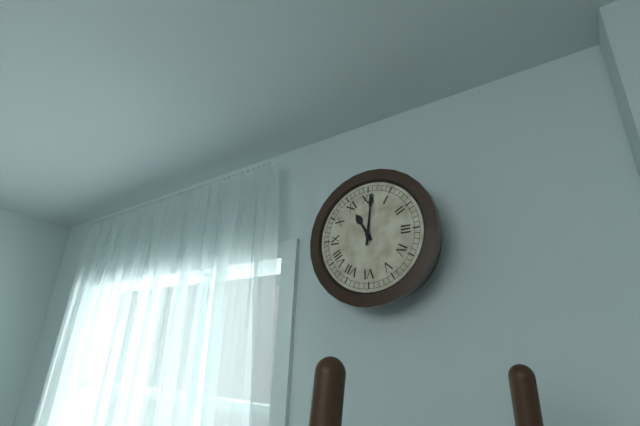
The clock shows **11:01**
